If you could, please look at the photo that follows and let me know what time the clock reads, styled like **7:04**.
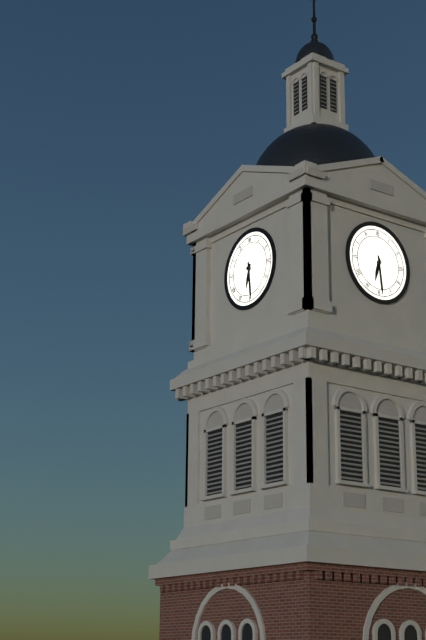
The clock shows **6:29**
